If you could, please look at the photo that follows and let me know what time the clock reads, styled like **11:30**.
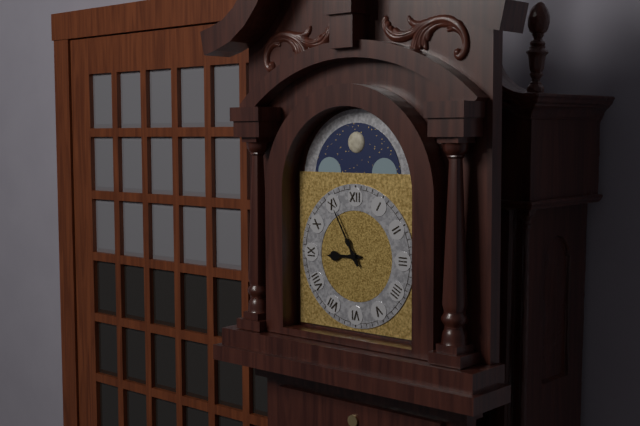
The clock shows **8:55**
